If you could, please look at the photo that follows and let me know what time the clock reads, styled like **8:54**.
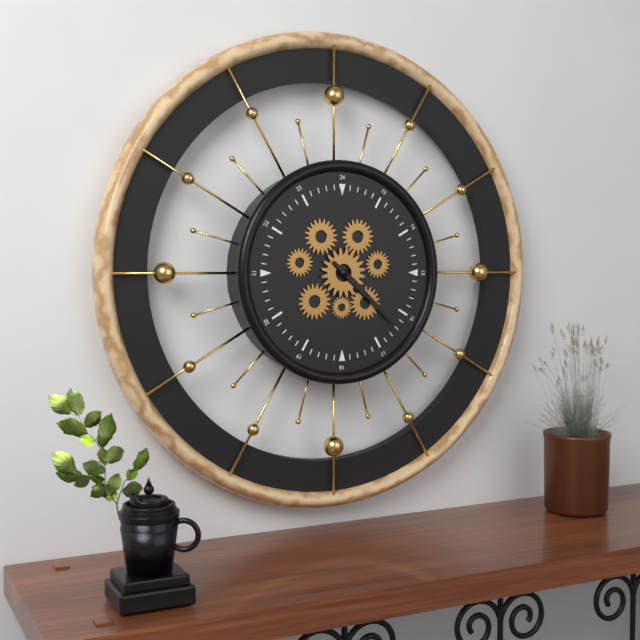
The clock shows **4:22**
